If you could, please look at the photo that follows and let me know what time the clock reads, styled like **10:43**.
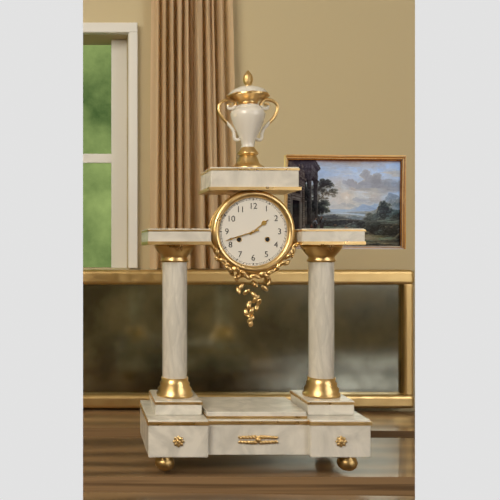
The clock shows **1:42**
